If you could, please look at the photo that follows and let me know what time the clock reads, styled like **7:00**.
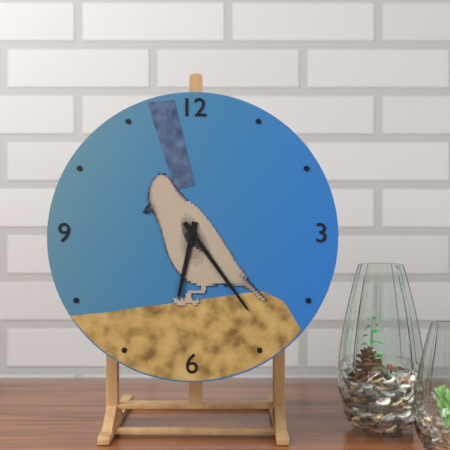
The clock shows **6:24**
